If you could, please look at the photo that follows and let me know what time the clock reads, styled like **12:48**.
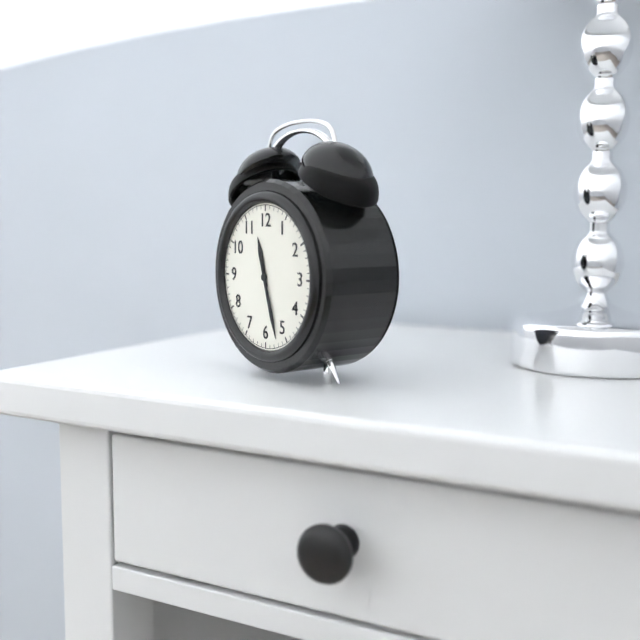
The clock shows **11:27**
